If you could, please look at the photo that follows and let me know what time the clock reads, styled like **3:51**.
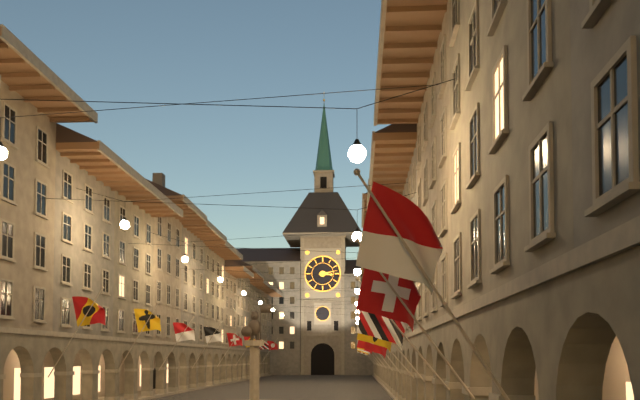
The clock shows **3:13**
